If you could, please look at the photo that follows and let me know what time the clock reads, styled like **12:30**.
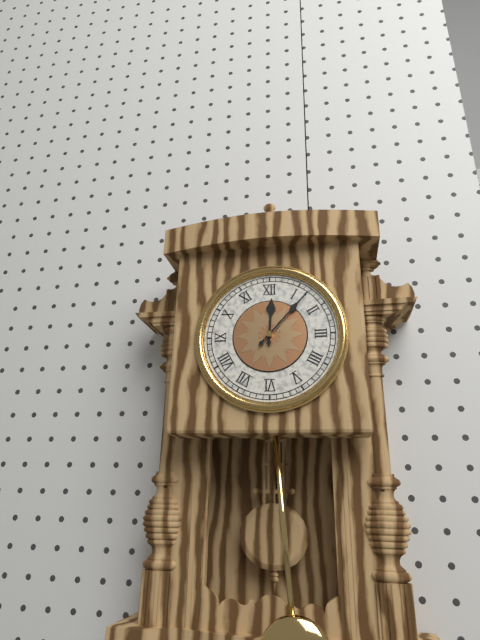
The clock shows **12:07**
